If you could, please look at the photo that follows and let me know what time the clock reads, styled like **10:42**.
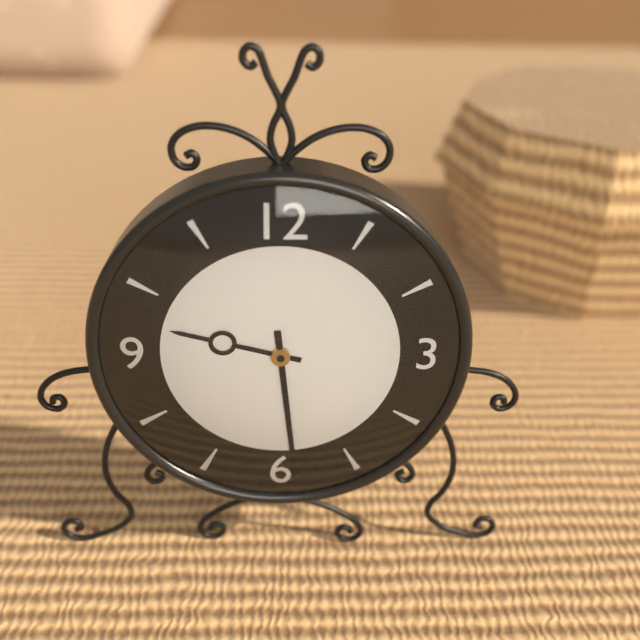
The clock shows **9:29**
